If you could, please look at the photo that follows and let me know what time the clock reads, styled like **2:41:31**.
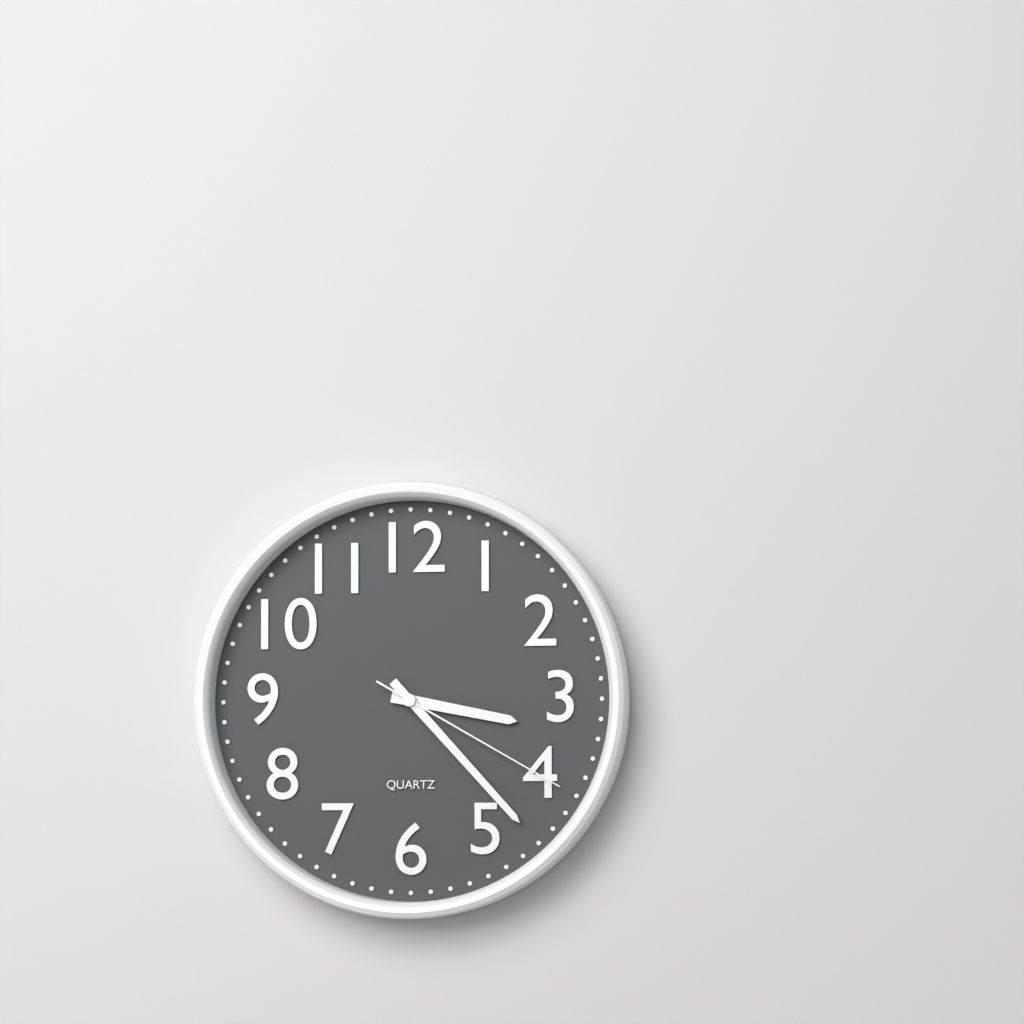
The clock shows **3:23:20**
